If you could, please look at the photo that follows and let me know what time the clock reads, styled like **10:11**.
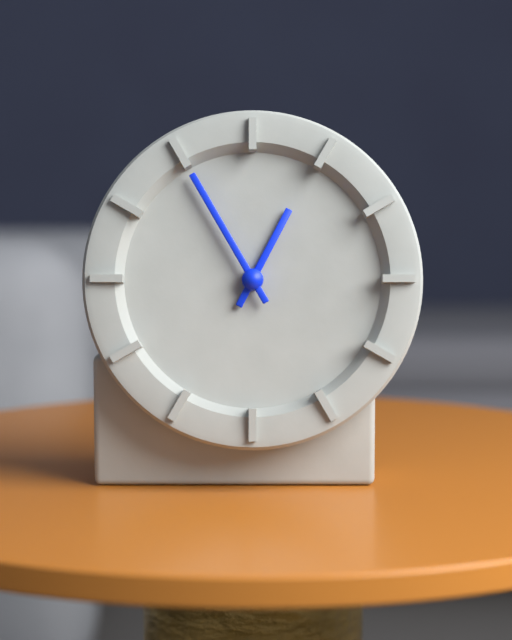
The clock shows **12:55**
